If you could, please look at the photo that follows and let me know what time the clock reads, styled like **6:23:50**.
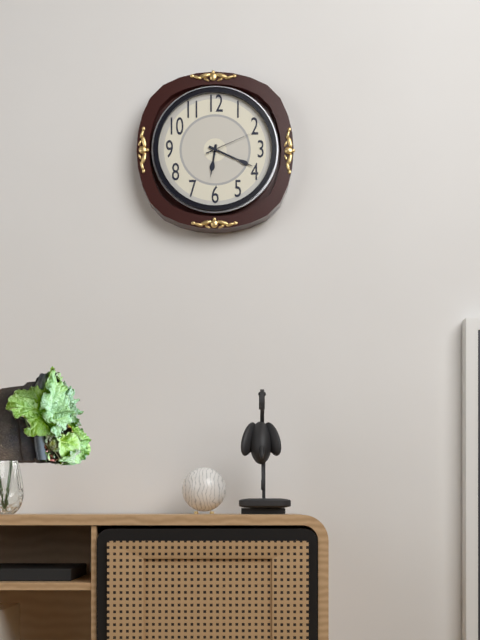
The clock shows **6:19:11**
